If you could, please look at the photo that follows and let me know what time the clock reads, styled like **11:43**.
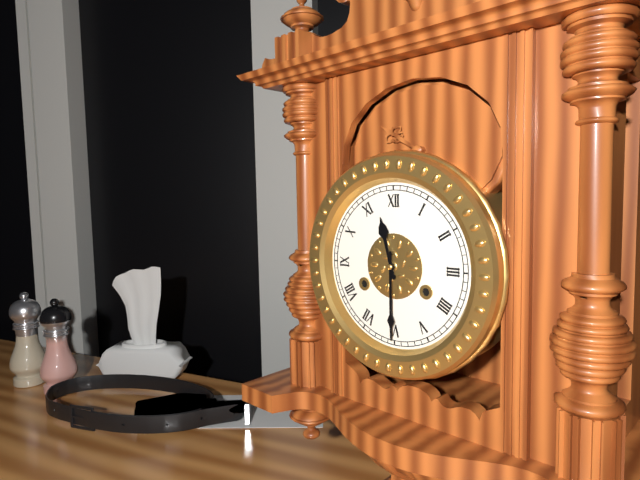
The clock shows **11:30**
